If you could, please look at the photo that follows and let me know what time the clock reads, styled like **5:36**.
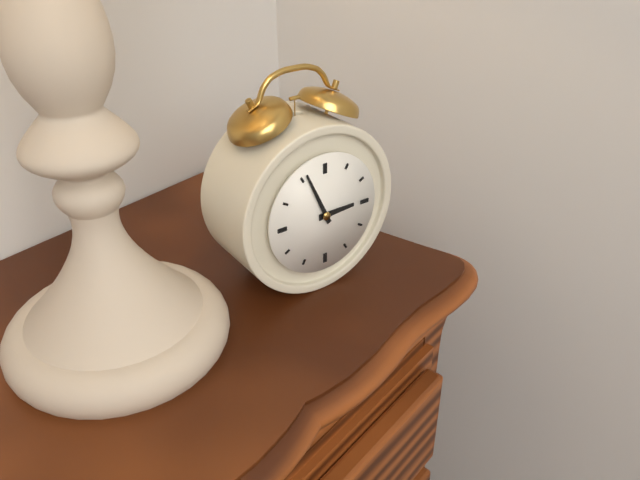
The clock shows **2:56**
